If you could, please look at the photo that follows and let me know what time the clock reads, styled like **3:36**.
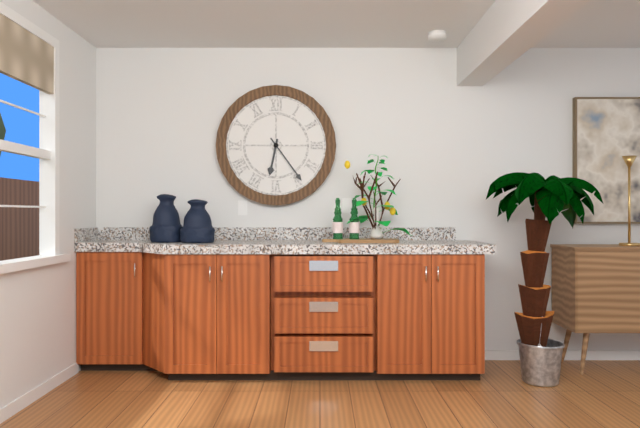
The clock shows **6:24**
